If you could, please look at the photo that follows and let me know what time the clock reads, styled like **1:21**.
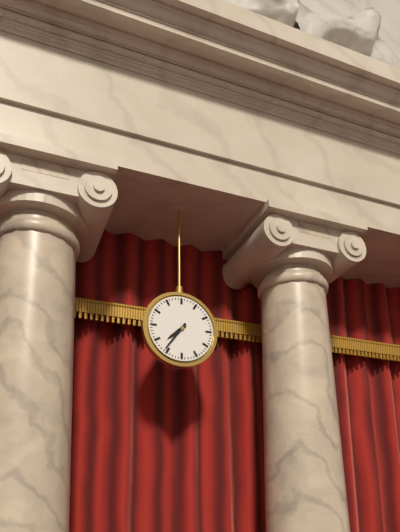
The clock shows **7:36**
